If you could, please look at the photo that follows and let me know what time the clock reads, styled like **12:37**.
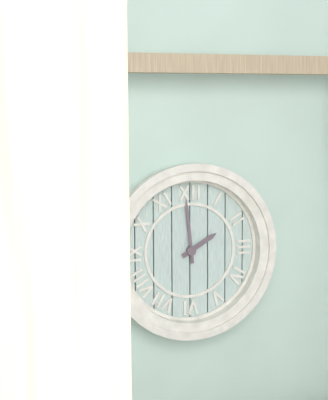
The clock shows **1:59**
